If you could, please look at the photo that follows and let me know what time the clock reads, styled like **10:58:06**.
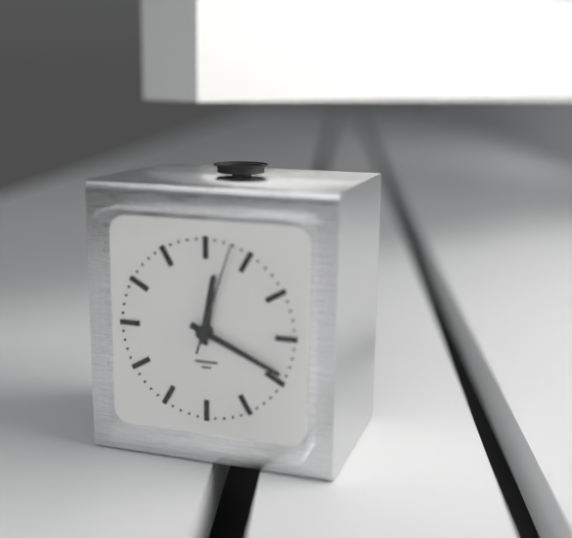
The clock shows **12:19:03**
